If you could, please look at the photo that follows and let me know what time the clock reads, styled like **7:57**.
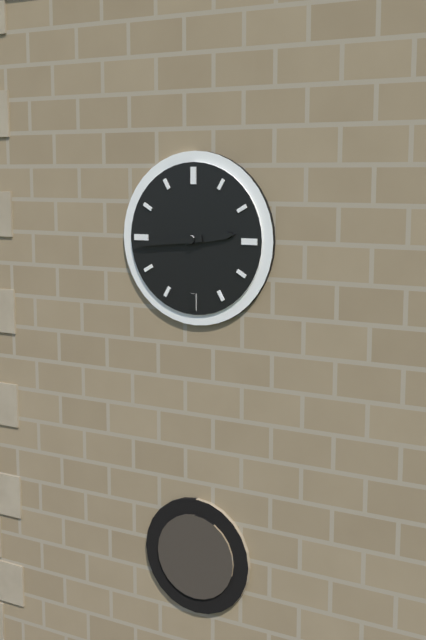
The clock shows **2:44**
